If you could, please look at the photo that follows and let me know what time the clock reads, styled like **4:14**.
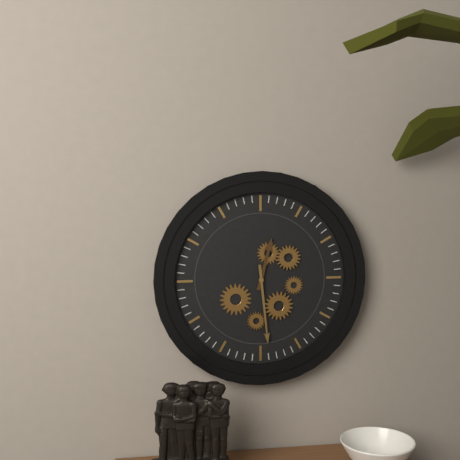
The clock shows **12:29**
